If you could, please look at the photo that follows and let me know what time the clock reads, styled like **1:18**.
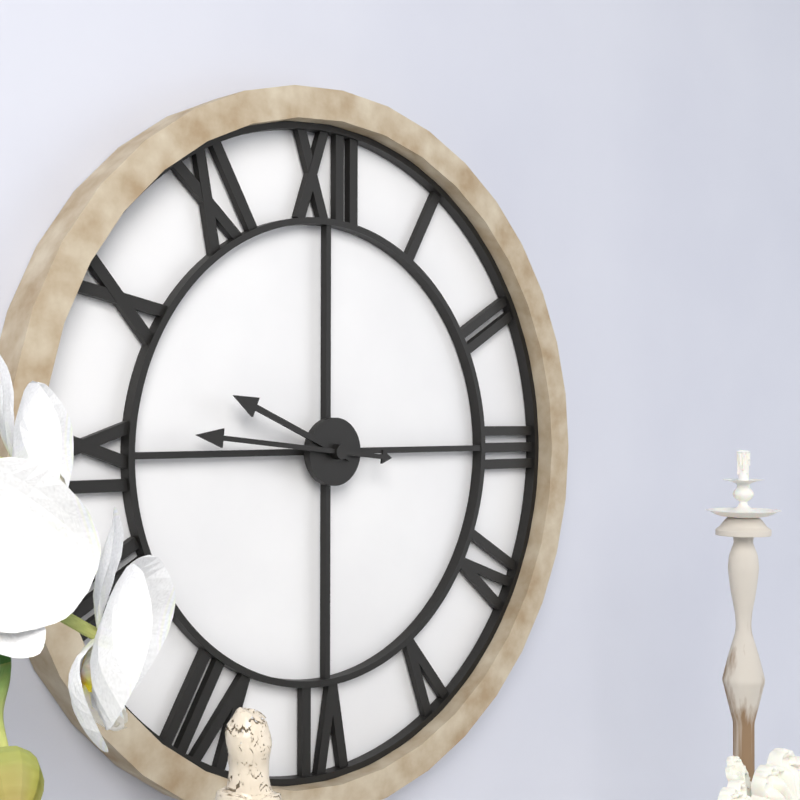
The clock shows **9:46**
